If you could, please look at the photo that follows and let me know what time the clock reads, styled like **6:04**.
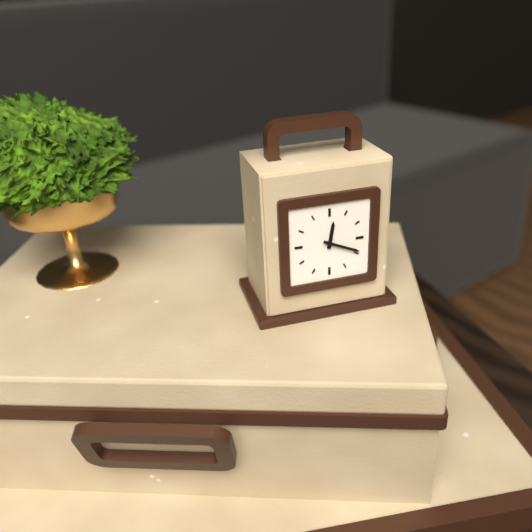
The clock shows **12:19**
